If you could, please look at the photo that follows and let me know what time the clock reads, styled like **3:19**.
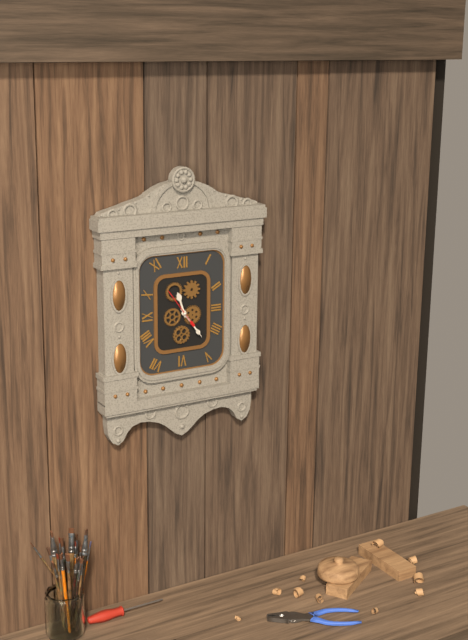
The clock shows **11:24**
